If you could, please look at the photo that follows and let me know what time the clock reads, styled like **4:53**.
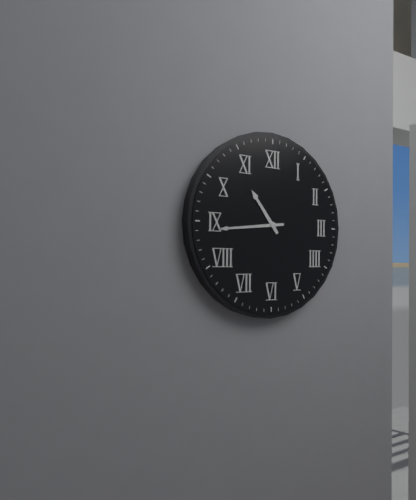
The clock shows **10:44**
